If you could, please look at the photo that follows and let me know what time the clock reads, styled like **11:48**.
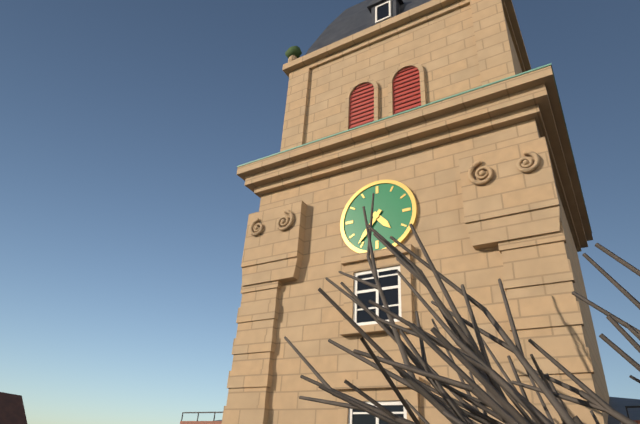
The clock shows **4:36**
